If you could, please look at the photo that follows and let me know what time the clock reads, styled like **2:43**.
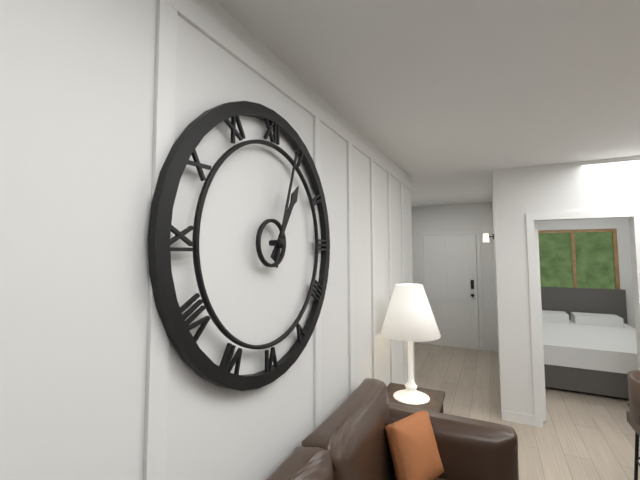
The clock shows **1:03**
